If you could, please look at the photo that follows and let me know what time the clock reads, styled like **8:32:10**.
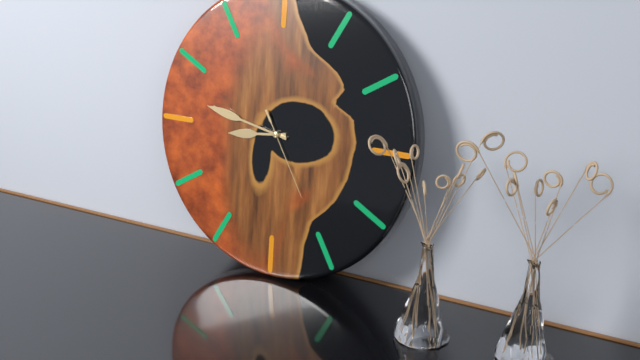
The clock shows **8:47:25**
